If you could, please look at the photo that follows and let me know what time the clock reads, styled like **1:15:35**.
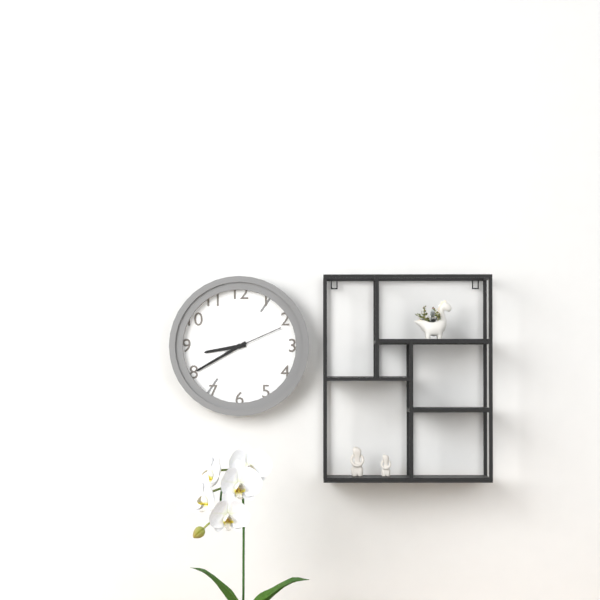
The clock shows **8:40:11**
